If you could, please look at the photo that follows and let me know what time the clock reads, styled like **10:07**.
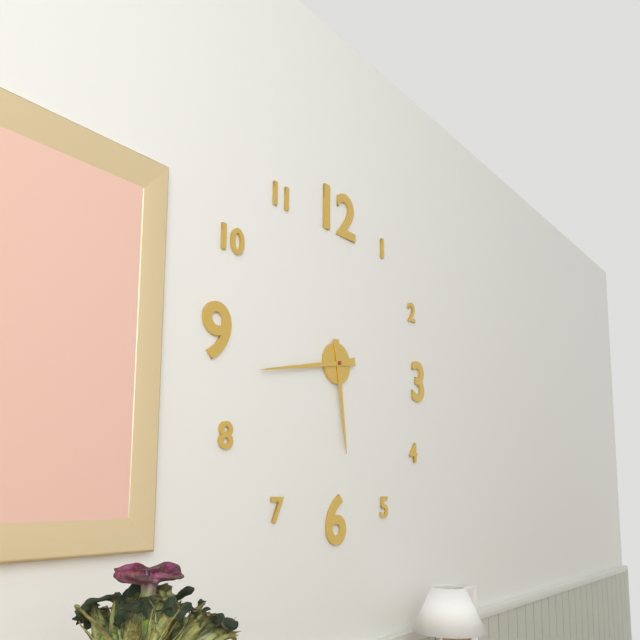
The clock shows **5:43**
